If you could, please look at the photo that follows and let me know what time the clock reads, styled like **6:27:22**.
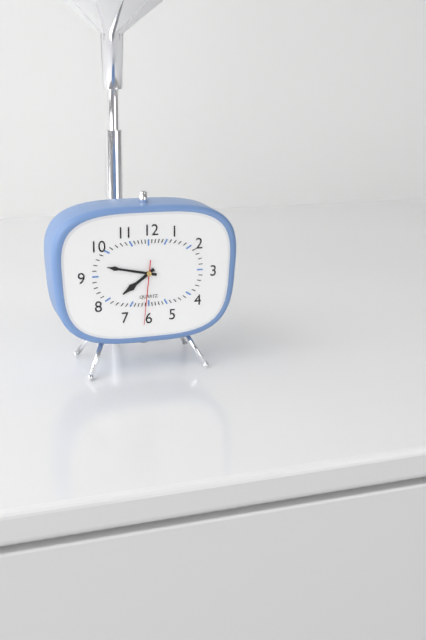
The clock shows **7:47:31**
